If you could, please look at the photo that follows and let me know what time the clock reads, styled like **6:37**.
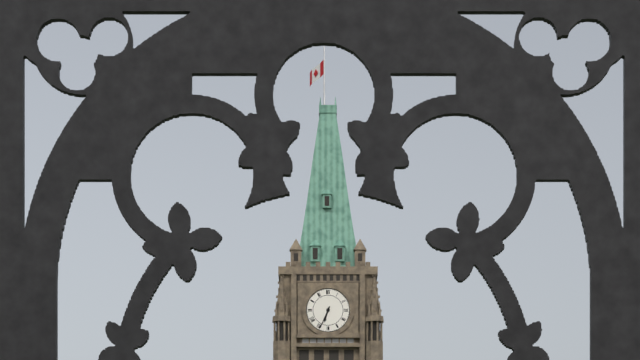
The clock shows **6:34**
